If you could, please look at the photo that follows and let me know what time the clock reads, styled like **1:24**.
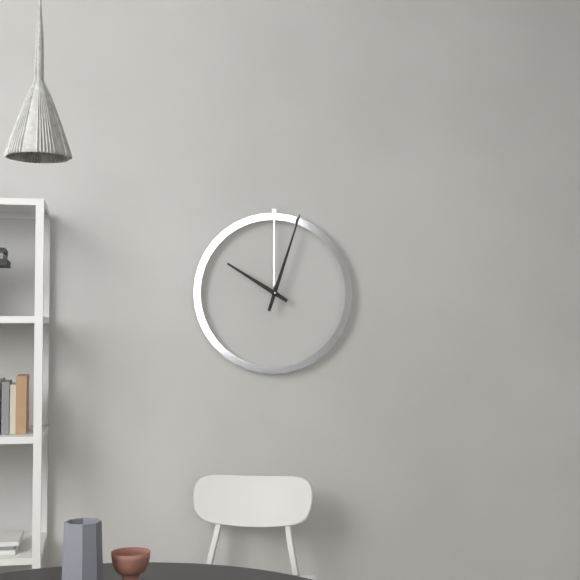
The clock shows **10:03**
